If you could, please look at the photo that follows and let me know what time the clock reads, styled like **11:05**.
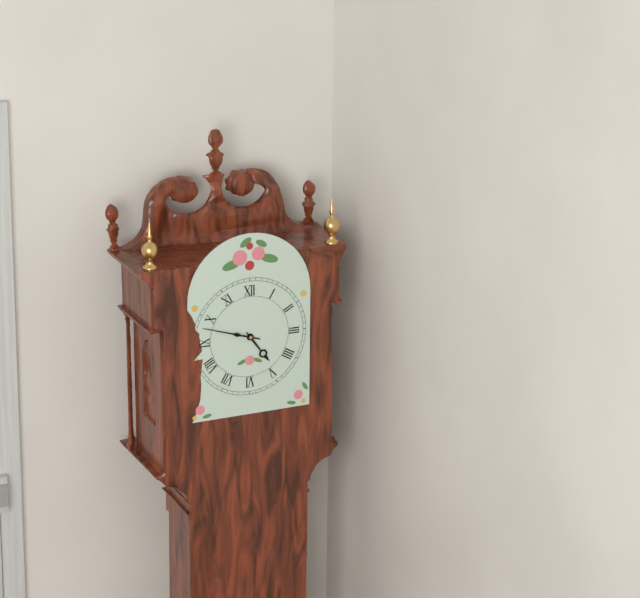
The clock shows **4:48**
